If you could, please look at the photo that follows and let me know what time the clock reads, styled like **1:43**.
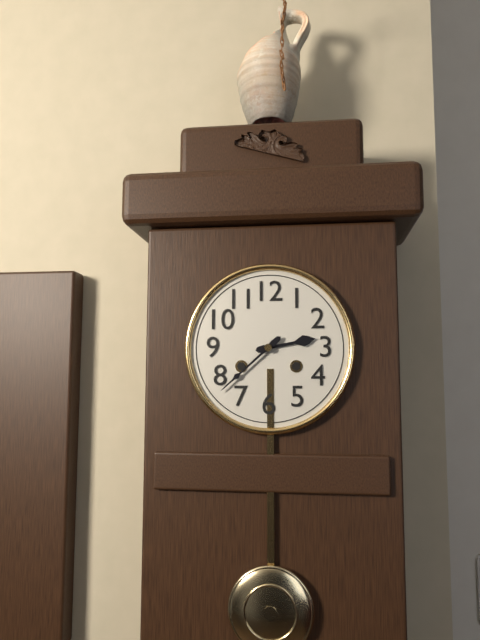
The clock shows **2:38**
